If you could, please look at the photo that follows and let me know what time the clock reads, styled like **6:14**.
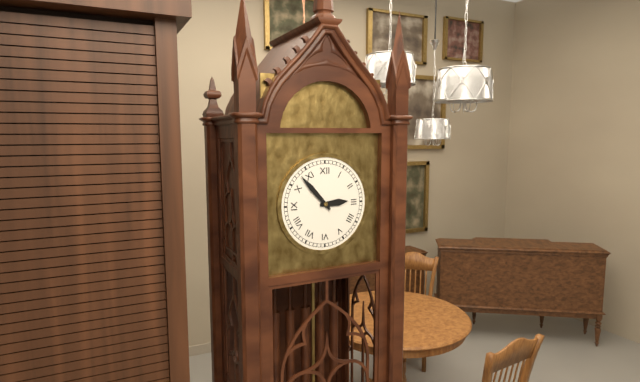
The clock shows **2:53**
